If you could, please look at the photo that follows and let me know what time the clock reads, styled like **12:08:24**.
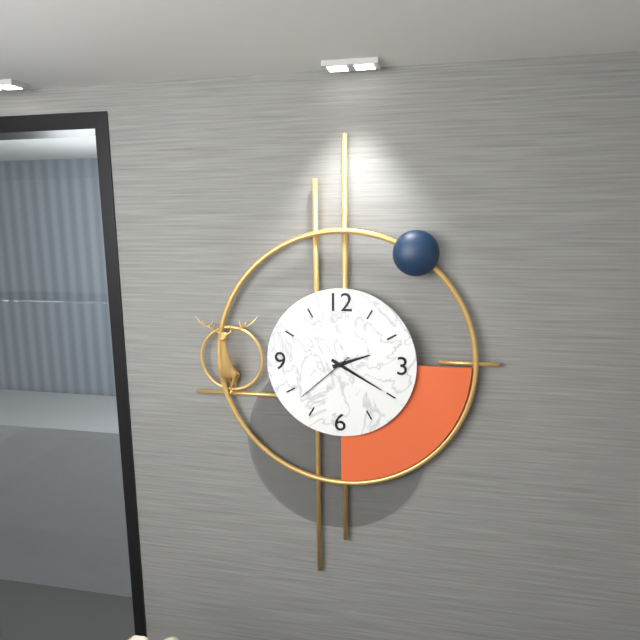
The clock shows **2:20:38**
